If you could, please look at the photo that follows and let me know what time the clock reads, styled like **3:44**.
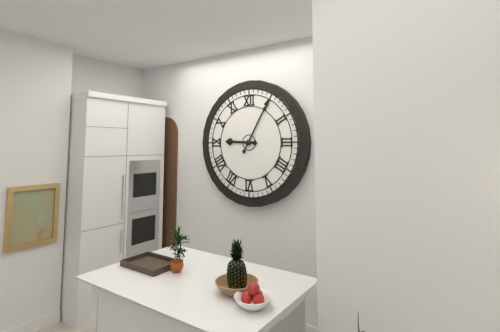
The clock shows **9:05**
